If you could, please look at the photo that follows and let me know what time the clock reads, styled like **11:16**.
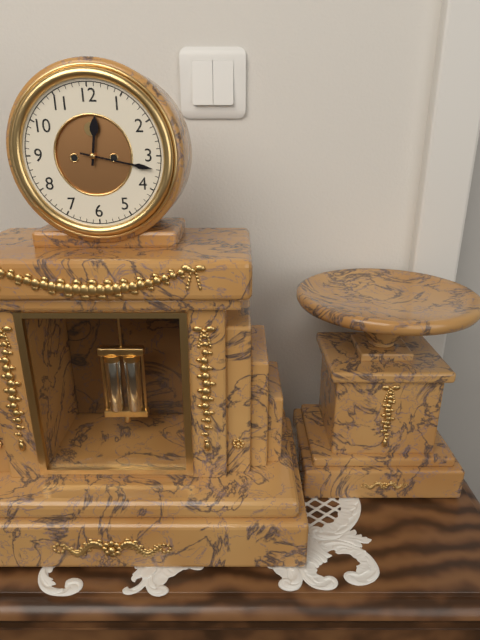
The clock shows **12:17**
